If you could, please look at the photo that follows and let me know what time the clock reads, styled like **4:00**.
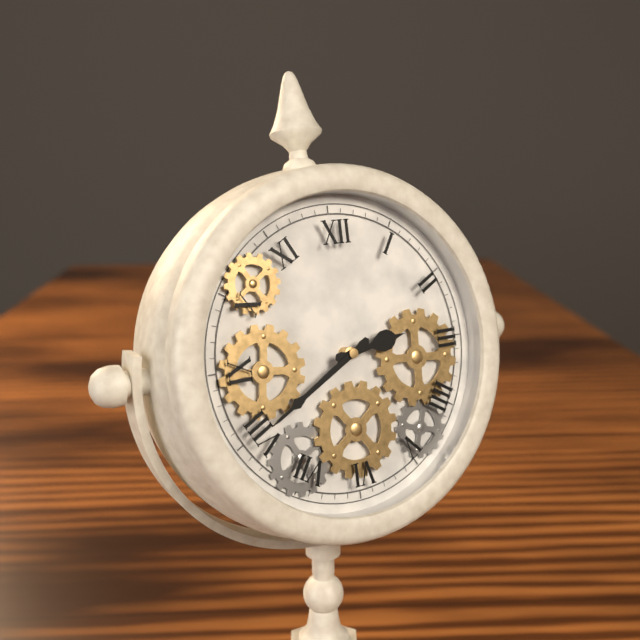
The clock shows **2:40**
